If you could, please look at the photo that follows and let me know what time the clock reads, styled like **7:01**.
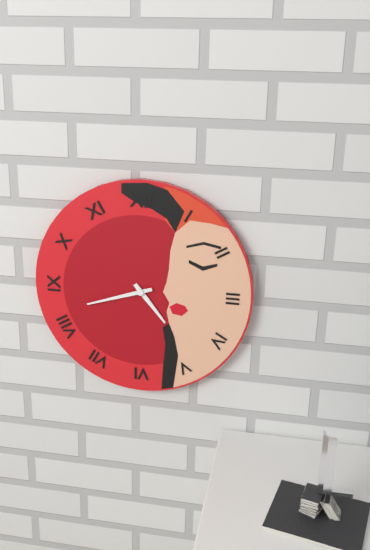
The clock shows **4:42**
